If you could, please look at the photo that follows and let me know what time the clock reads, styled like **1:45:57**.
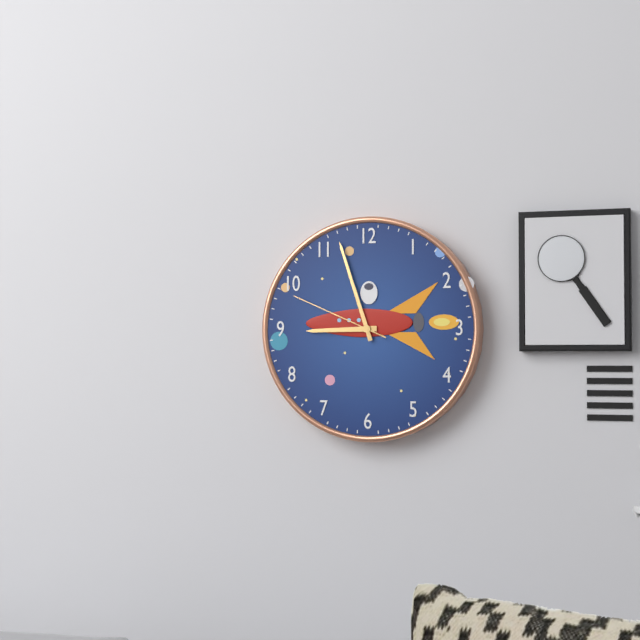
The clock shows **8:57:49**
